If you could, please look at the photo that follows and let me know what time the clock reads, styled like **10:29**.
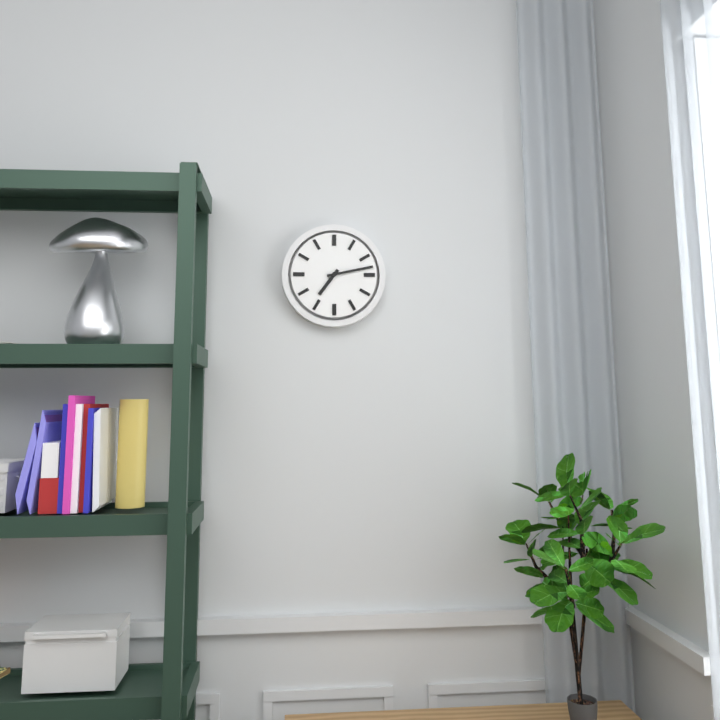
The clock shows **7:13**
